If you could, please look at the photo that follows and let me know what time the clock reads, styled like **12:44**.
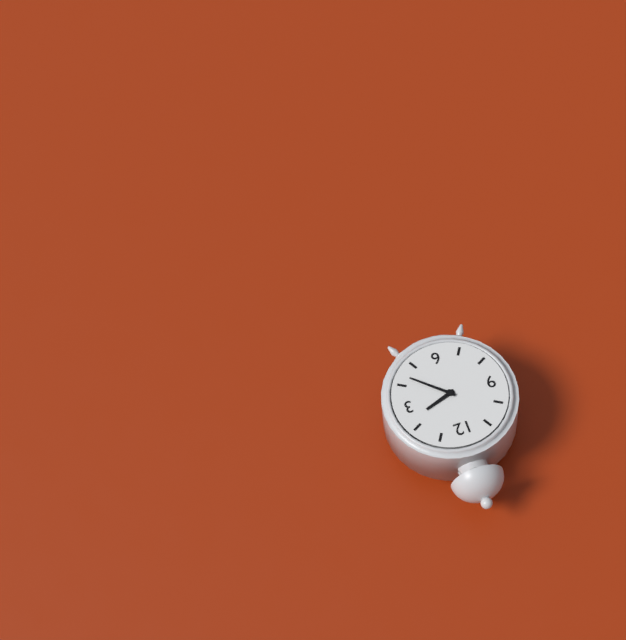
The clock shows **2:22**
